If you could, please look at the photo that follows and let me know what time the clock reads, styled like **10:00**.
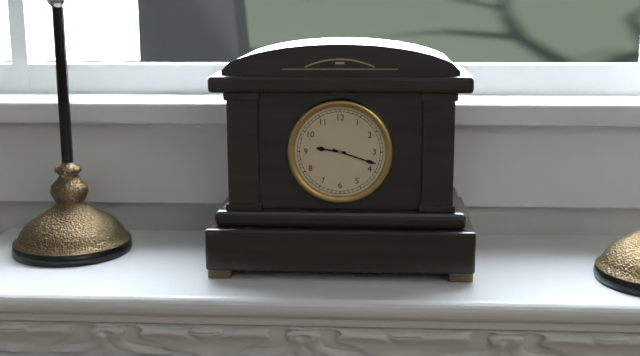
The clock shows **9:18**
